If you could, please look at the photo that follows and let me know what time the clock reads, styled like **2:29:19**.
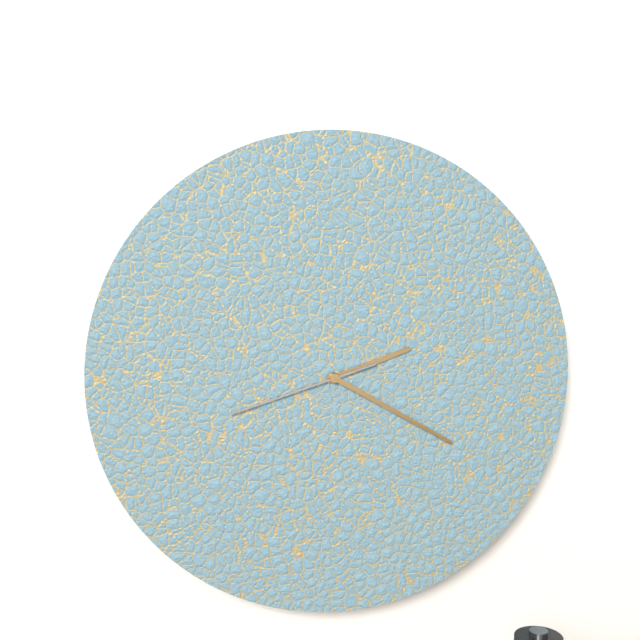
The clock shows **2:20:42**
